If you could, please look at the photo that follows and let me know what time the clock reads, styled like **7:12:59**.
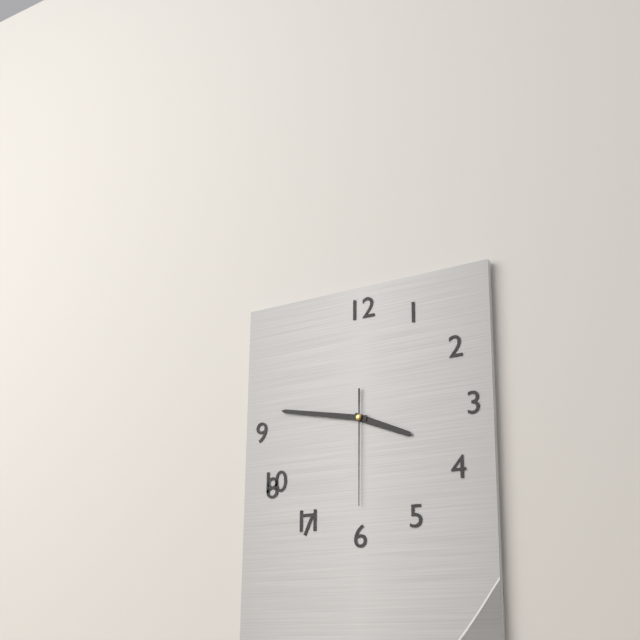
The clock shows **3:47:30**
